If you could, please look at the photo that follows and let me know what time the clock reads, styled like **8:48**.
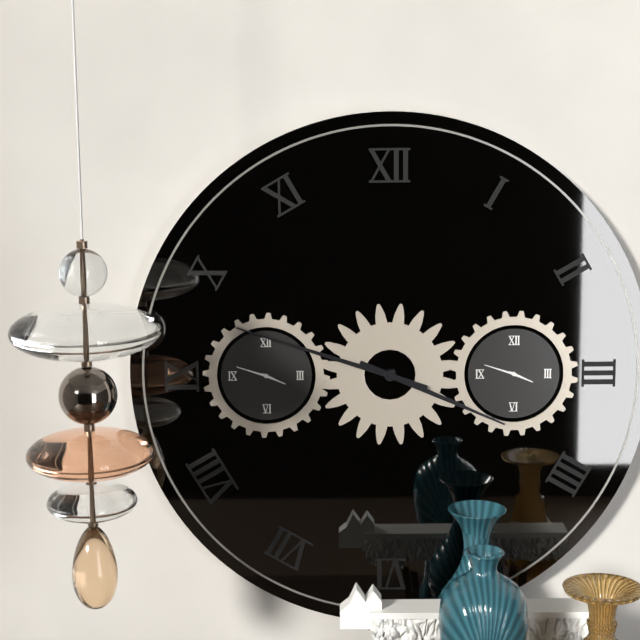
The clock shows **3:48**
